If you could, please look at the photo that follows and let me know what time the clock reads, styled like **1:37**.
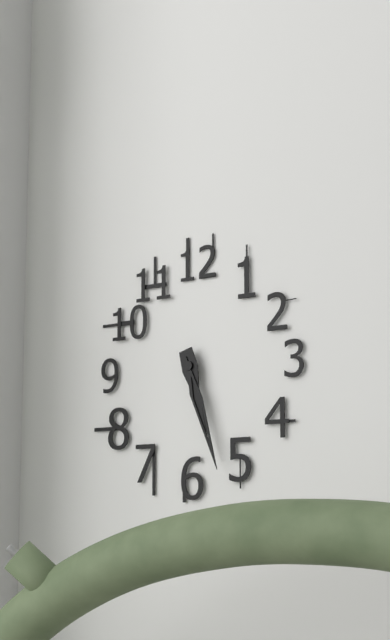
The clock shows **5:27**
